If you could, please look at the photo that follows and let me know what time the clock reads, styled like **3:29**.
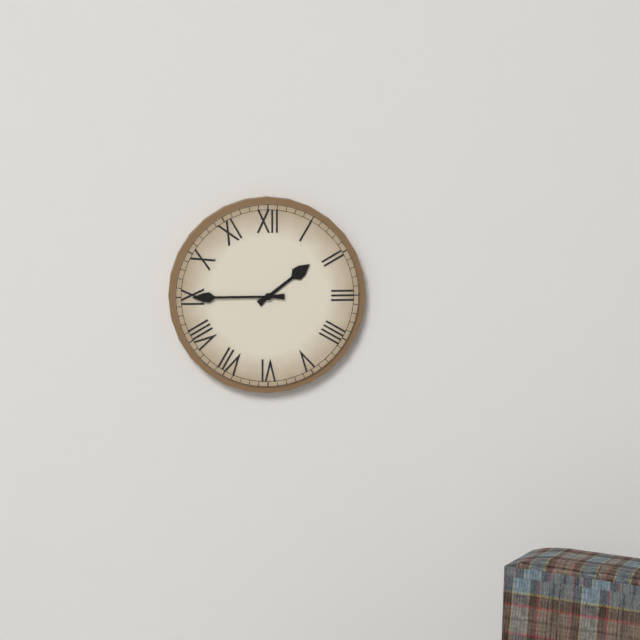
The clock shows **1:45**
